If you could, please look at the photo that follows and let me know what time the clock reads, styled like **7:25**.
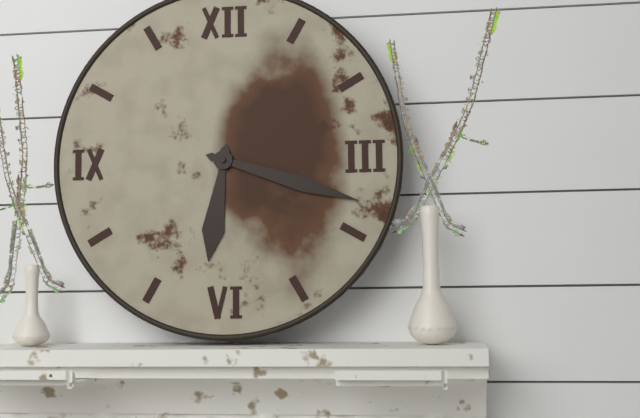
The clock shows **6:18**
